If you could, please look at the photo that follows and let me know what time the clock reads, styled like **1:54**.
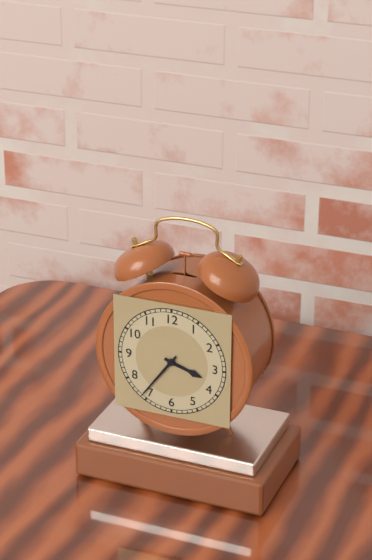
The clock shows **3:36**
